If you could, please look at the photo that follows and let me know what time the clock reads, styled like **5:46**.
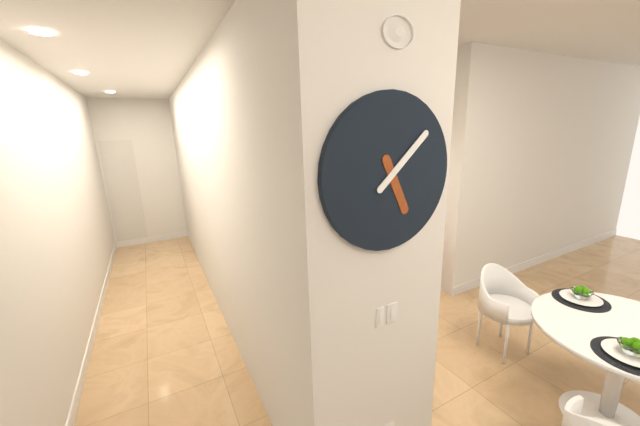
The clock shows **5:08**
